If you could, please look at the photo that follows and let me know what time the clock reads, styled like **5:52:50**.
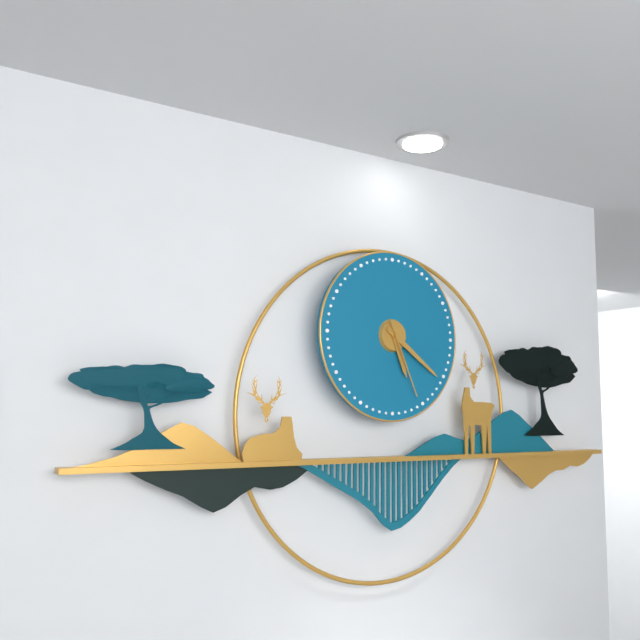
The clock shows **5:21:26**
